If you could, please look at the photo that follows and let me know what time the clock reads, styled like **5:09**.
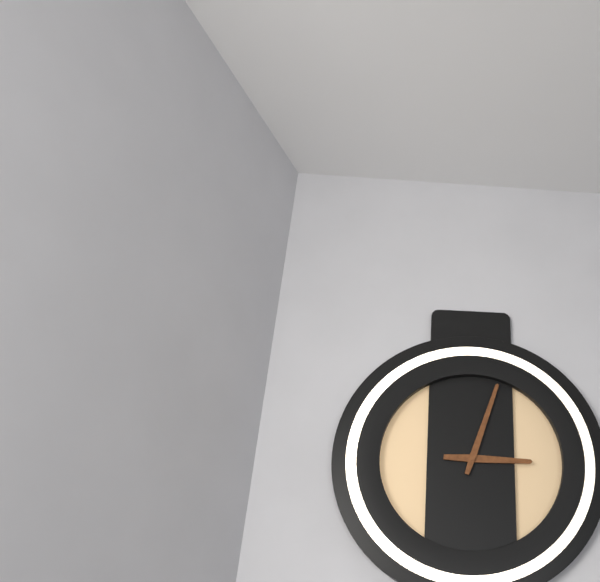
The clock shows **3:03**
